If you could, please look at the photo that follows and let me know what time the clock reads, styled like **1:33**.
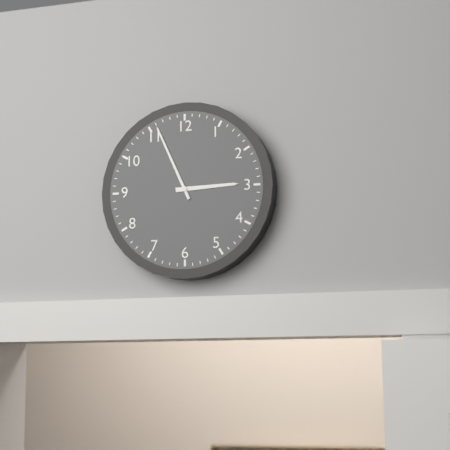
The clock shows **2:56**
